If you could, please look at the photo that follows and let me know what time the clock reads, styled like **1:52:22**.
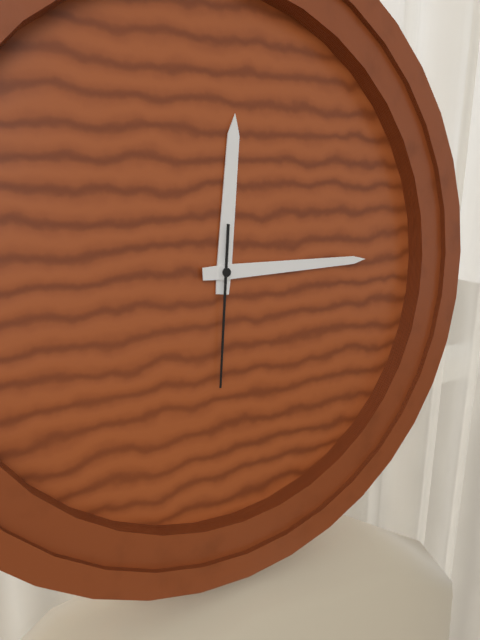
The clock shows **12:15:31**
